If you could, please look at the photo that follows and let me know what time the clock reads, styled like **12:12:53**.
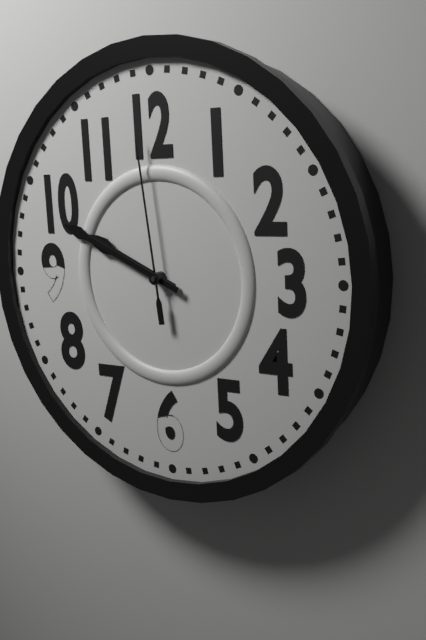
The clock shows **9:49:59**
